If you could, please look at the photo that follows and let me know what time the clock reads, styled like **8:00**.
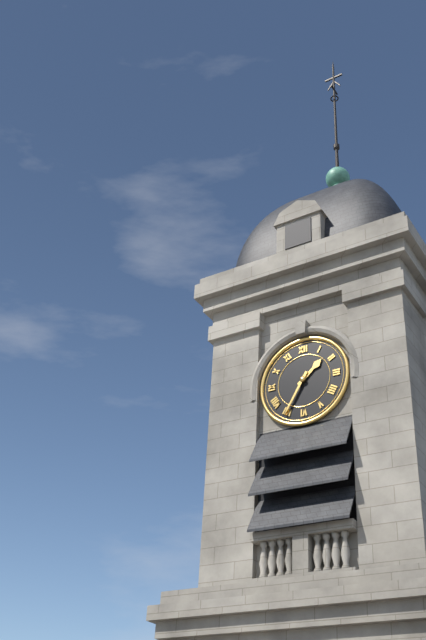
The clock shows **1:35**
